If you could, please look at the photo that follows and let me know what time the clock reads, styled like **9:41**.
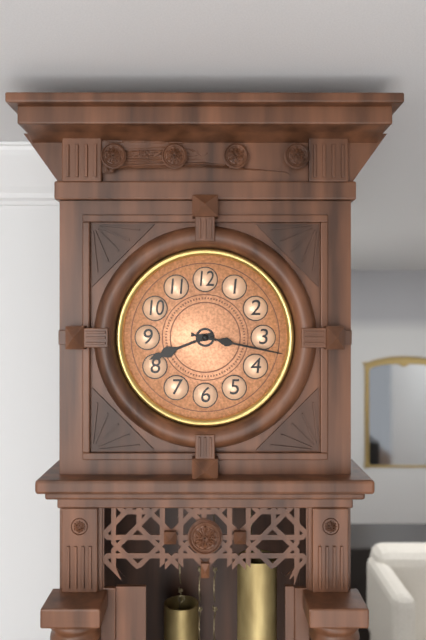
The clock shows **8:17**
